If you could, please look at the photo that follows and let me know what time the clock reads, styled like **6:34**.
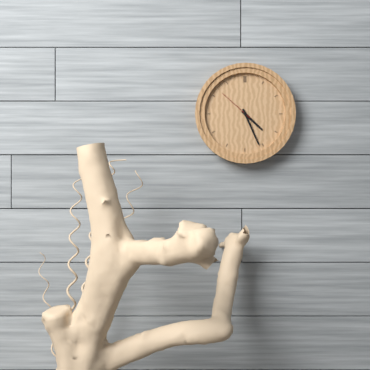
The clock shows **4:26**
